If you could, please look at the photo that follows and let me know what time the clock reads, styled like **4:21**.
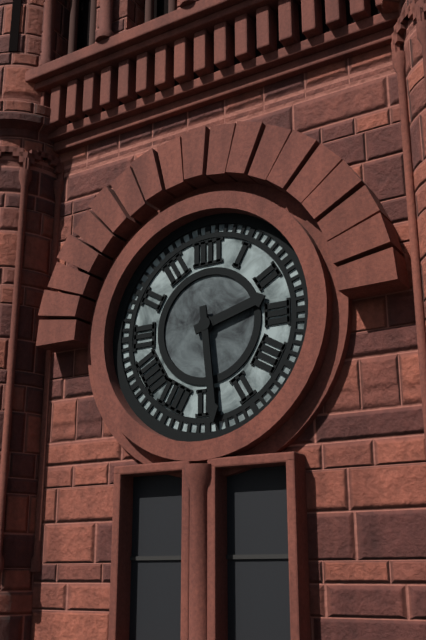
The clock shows **2:29**
